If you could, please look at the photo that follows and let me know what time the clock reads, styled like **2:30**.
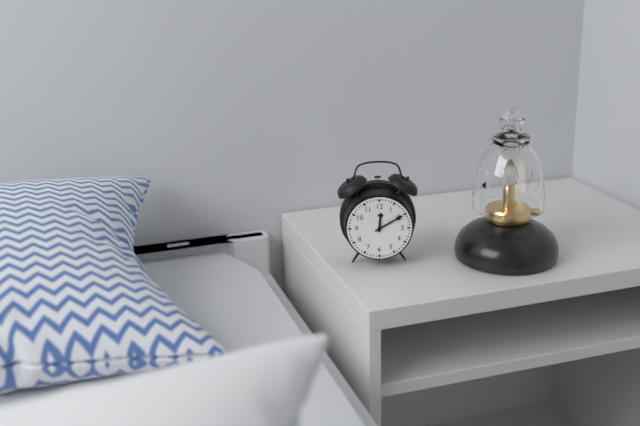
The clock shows **12:10**
